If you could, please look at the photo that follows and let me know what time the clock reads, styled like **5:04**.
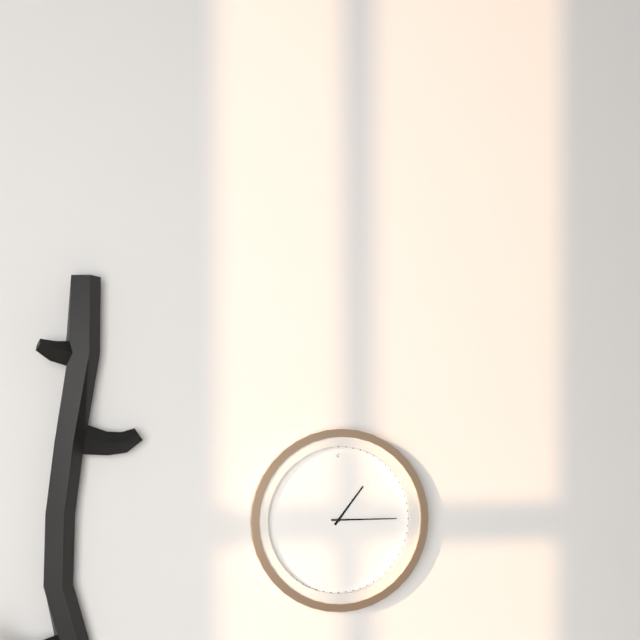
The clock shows **1:15**
